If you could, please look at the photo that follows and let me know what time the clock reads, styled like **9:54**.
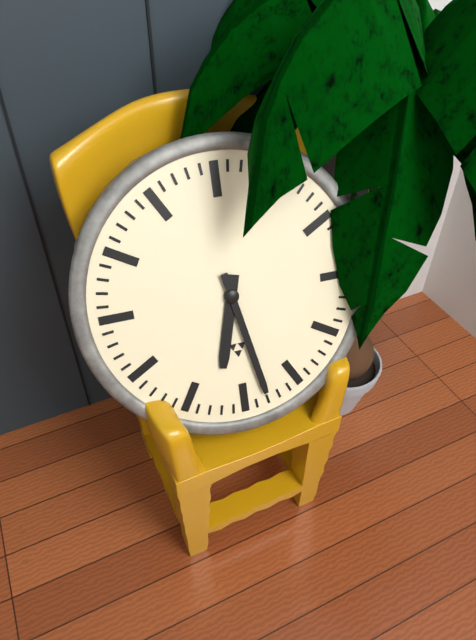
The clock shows **6:28**
